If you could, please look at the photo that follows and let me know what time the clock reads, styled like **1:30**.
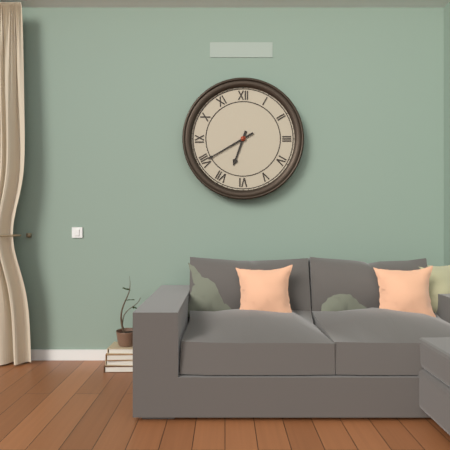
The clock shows **6:40**
